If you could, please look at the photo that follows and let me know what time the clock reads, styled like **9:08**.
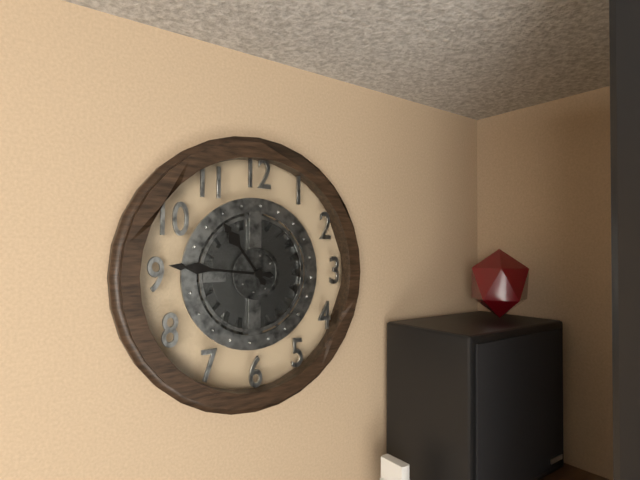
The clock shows **10:46**
